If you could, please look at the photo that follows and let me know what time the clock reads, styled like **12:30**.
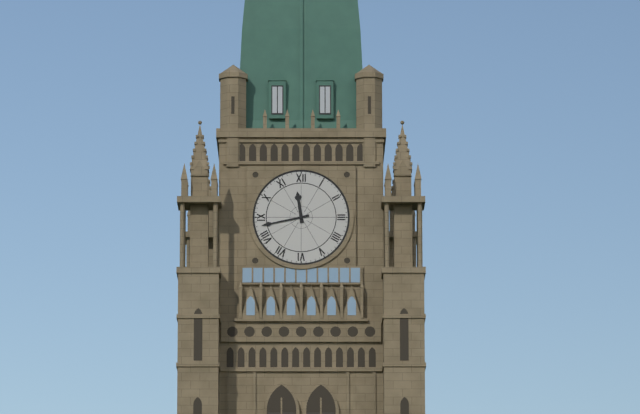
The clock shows **11:43**
